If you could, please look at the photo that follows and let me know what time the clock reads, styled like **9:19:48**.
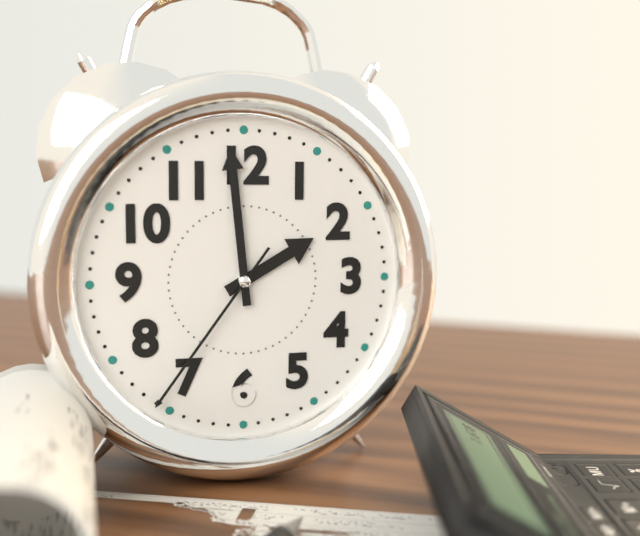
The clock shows **1:59:36**
